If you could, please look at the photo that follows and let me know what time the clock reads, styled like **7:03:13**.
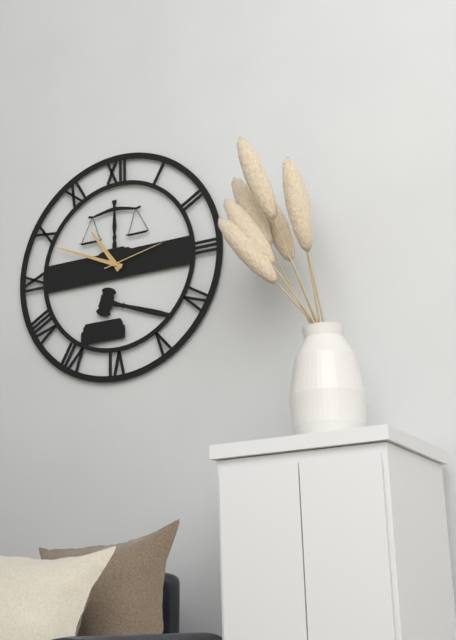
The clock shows **10:49:13**
